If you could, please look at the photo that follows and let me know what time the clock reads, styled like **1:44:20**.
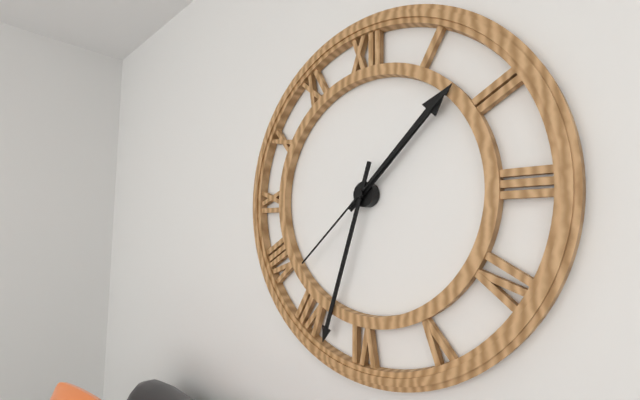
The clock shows **1:33:08**
